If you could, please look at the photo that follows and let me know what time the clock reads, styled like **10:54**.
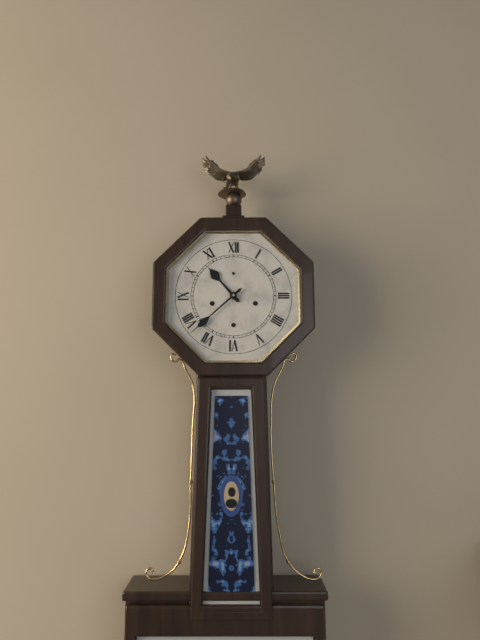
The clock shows **10:38**
